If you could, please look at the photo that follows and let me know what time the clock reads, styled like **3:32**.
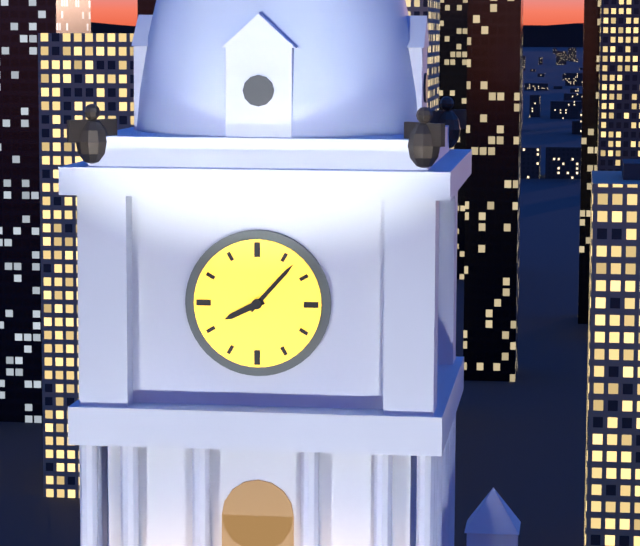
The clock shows **8:07**
